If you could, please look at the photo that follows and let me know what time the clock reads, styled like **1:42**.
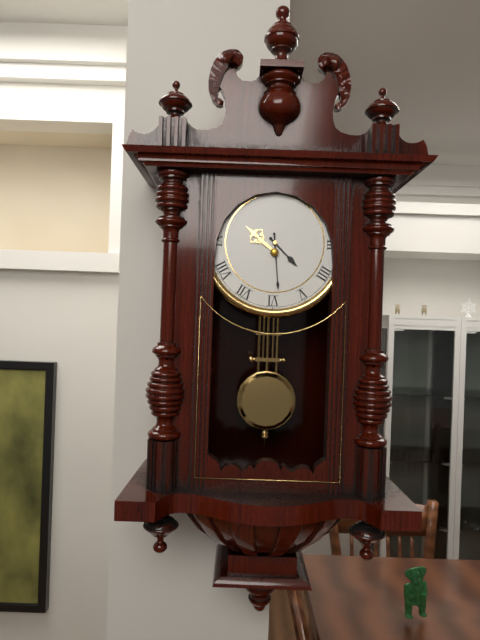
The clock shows **4:29**
